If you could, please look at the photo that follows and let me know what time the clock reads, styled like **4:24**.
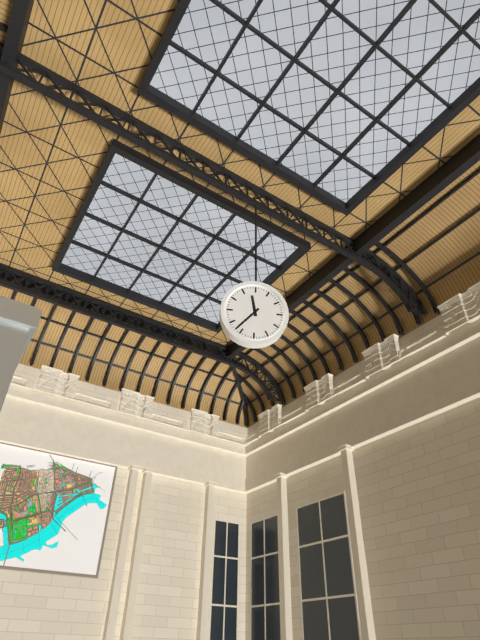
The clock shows **11:37**
